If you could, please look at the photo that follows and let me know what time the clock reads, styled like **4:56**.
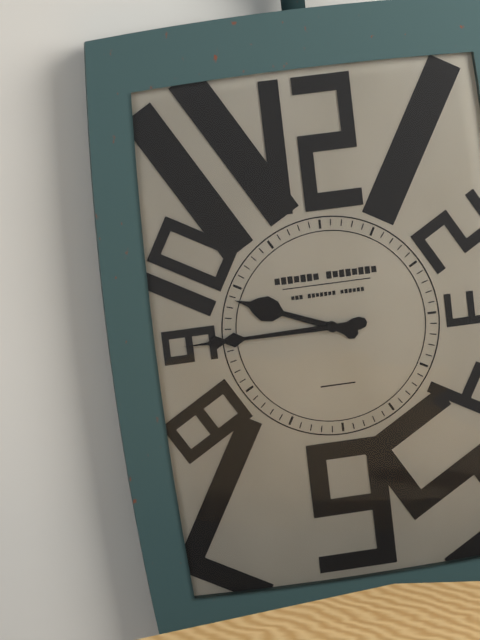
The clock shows **9:45**
